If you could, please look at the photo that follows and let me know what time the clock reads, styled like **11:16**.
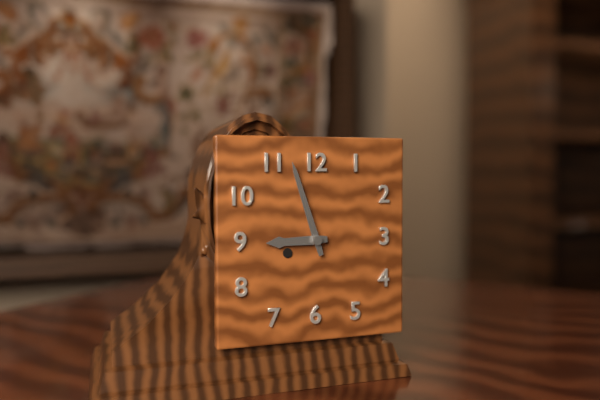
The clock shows **8:57**
